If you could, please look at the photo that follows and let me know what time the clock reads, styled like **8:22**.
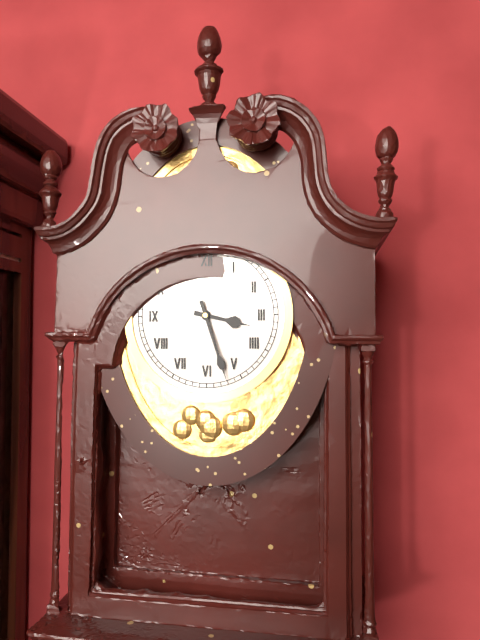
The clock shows **3:27**
